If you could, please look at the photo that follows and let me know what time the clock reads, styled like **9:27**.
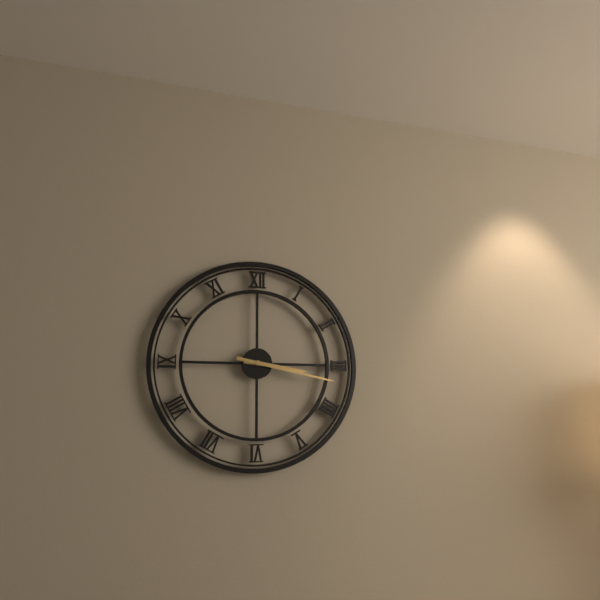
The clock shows **3:17**
